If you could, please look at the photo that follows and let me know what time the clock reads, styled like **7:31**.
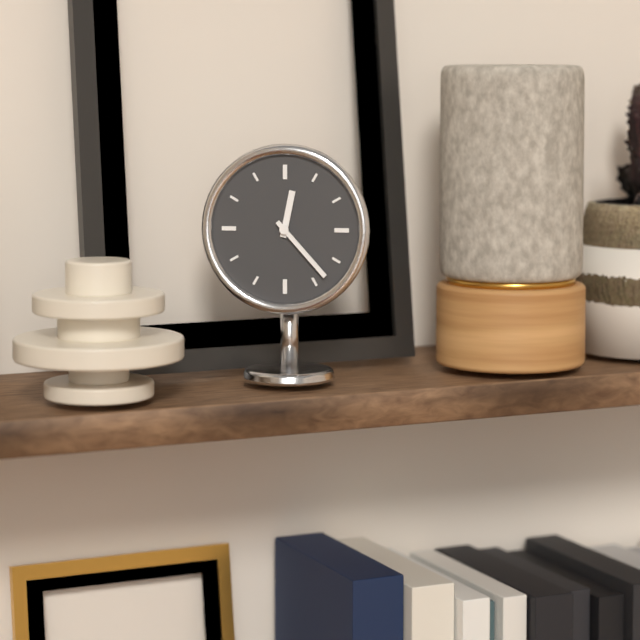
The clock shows **12:23**
